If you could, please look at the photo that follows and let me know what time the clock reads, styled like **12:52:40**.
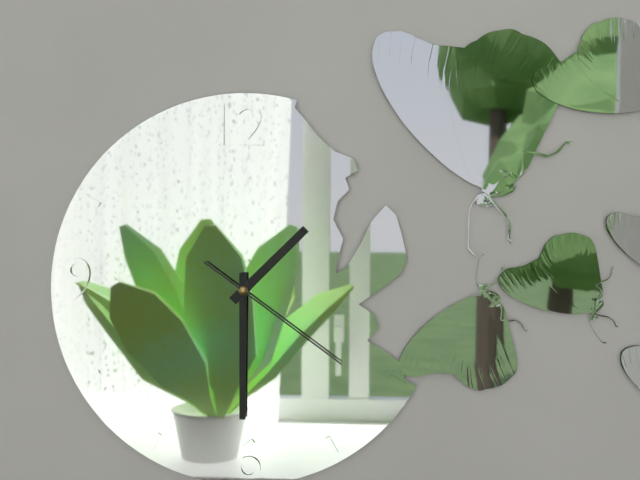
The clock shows **1:30:21**
